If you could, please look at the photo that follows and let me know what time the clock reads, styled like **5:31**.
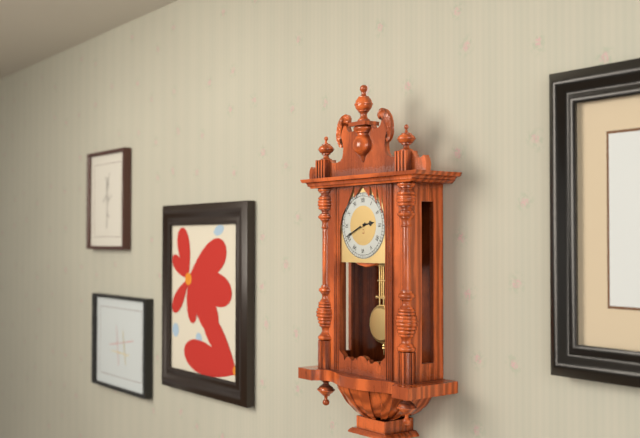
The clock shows **2:41**
